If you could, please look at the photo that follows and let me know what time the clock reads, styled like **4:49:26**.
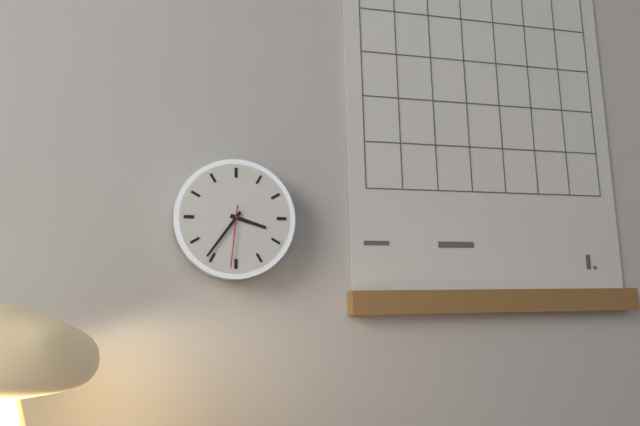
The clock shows **3:36:31**
